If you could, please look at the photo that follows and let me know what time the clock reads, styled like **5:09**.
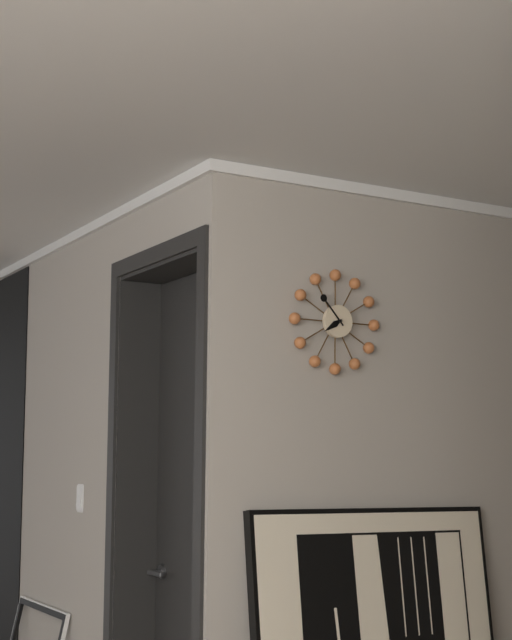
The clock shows **7:53**
